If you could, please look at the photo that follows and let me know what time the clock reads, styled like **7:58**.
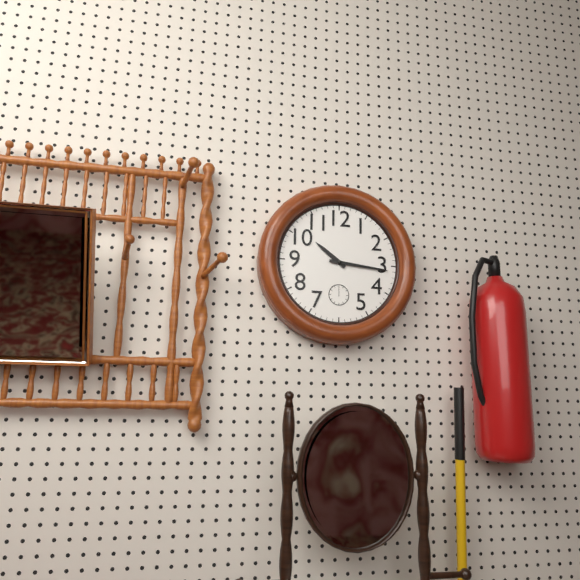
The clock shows **10:16**
